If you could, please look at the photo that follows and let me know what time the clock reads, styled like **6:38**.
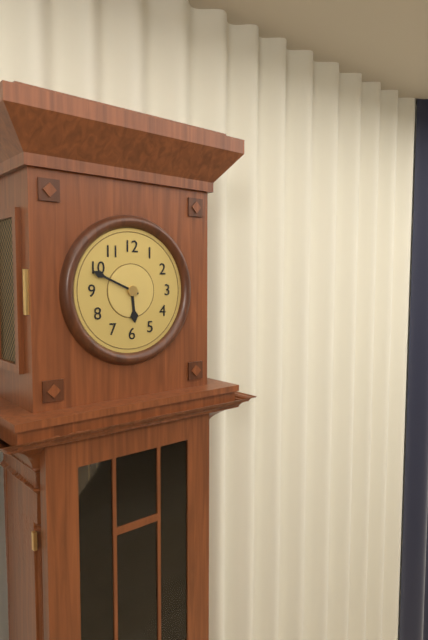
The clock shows **5:49**
